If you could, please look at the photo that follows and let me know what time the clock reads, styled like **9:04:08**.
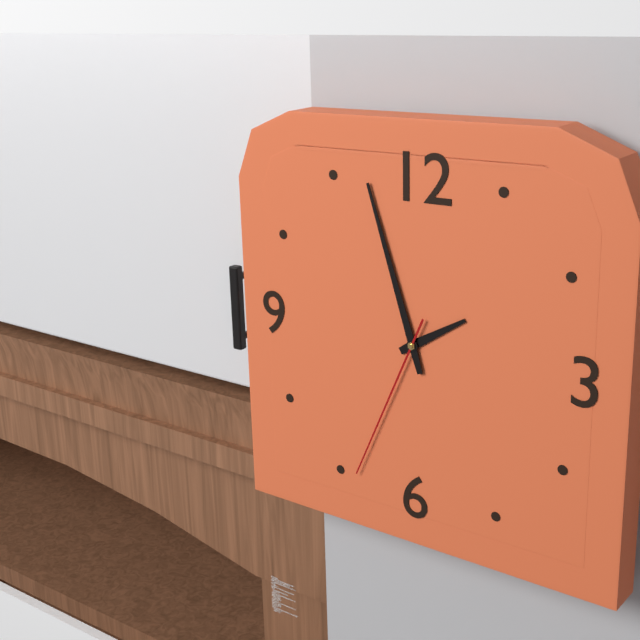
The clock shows **1:57:34**
